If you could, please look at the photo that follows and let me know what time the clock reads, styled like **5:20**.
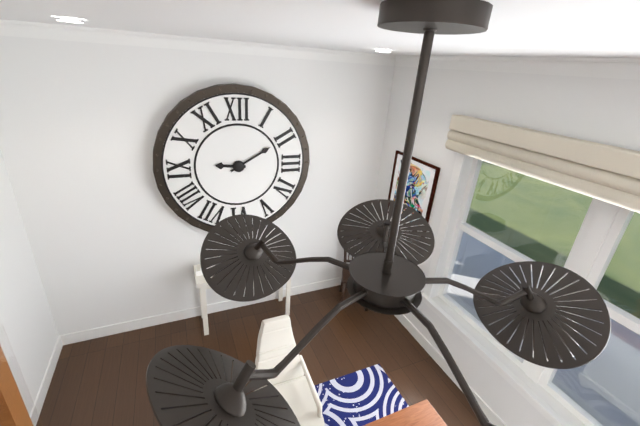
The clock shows **9:10**
